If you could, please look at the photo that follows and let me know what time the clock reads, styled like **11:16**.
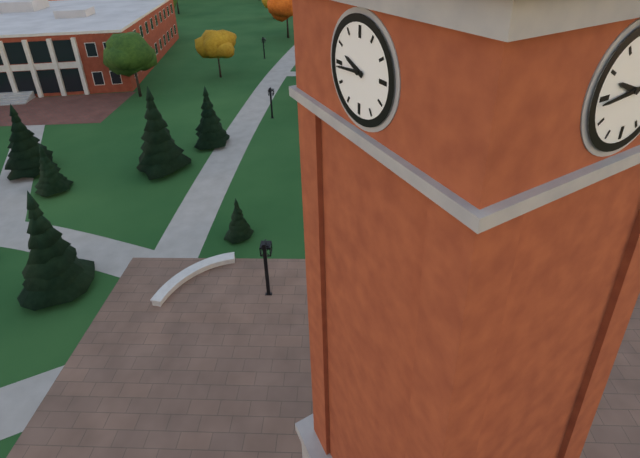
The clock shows **9:44**
